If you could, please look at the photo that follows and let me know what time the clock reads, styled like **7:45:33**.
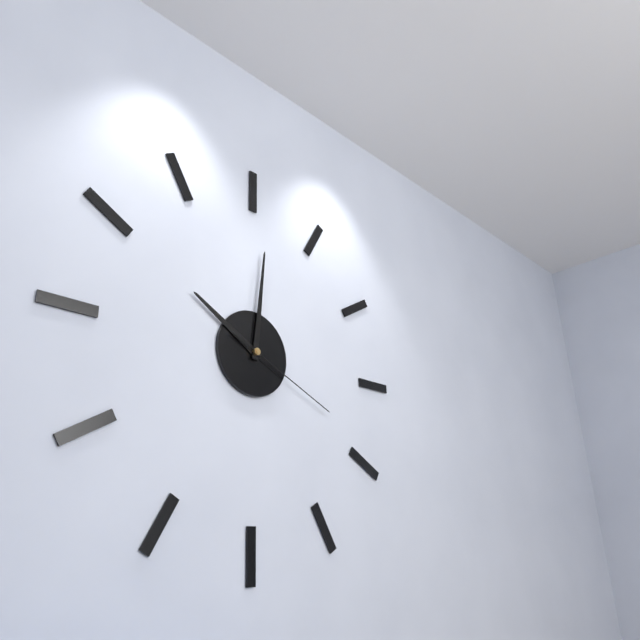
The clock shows **10:01:19**
